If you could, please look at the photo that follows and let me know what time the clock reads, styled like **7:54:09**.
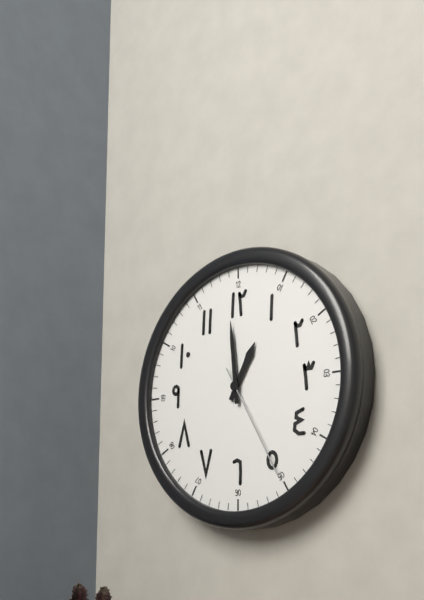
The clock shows **12:59:25**
